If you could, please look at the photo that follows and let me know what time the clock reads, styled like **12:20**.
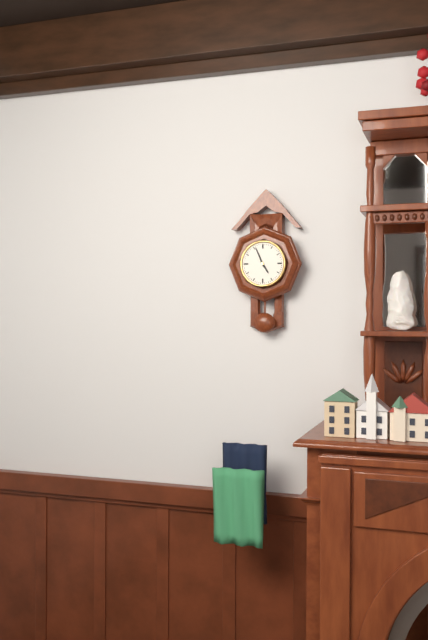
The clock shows **4:56**
